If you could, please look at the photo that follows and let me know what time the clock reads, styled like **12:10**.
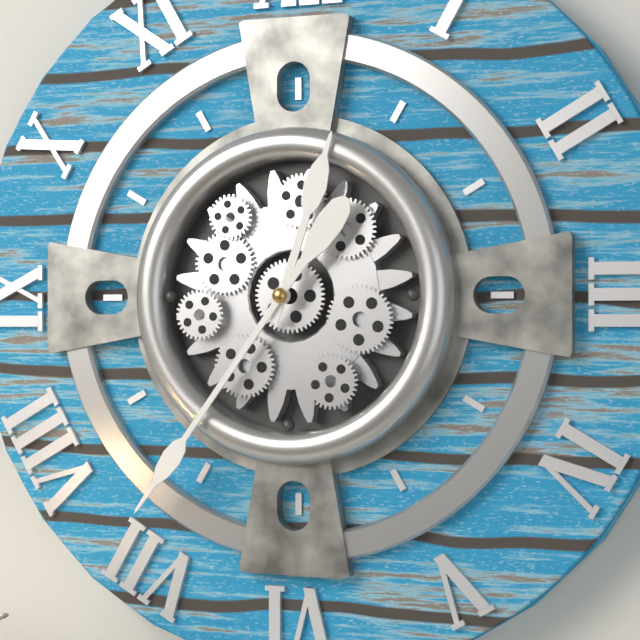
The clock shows **12:36**
